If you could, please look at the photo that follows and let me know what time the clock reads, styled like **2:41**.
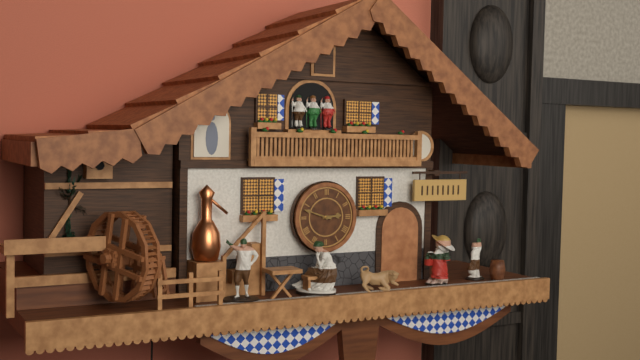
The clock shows **2:48**
